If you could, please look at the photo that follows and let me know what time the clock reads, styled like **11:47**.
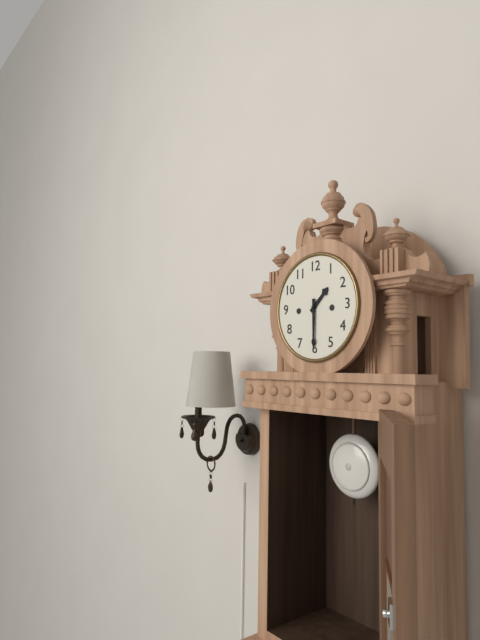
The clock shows **1:30**
